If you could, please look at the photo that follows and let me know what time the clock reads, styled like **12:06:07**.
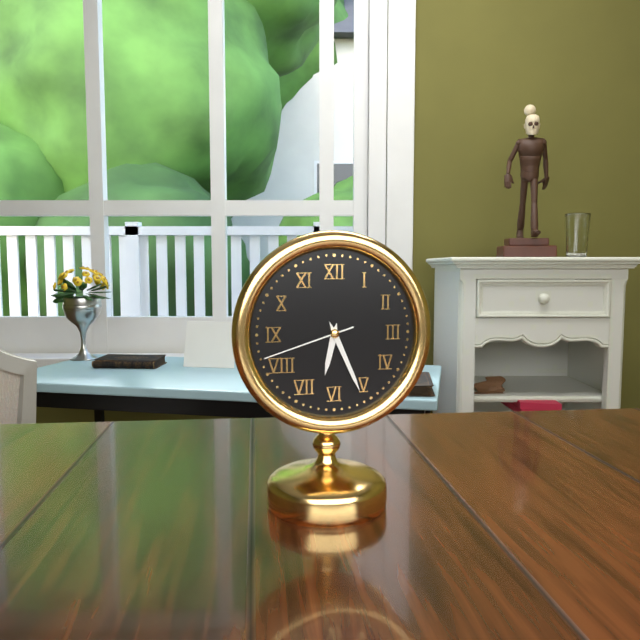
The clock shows **6:26:42**
